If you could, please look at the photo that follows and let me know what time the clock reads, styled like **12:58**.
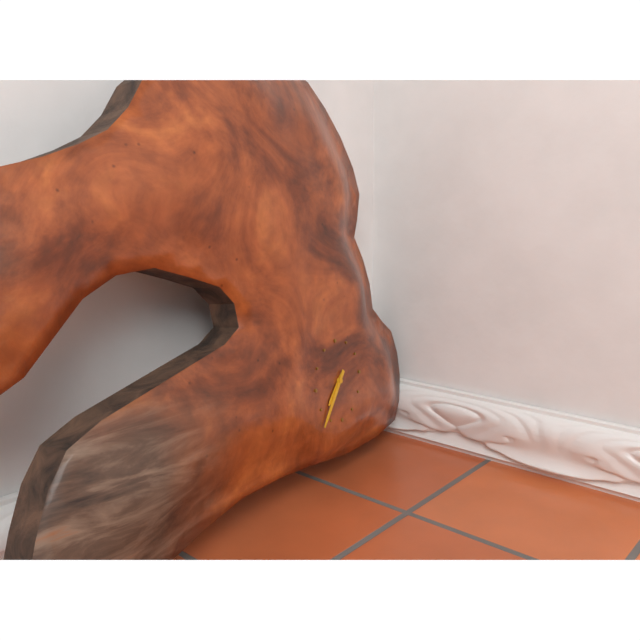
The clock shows **7:37**
